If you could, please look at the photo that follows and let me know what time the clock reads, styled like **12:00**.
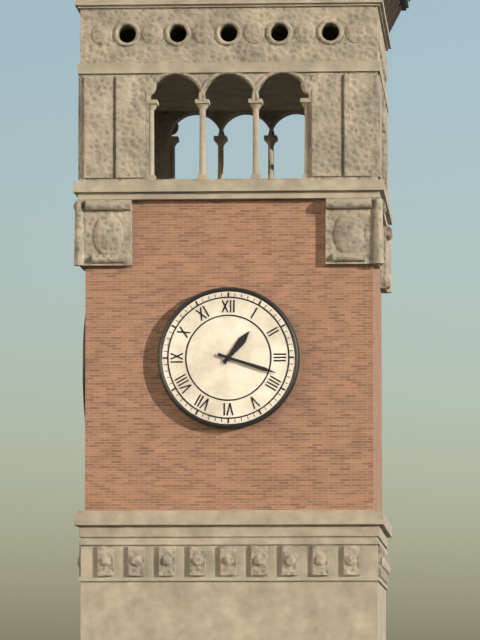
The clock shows **1:18**
